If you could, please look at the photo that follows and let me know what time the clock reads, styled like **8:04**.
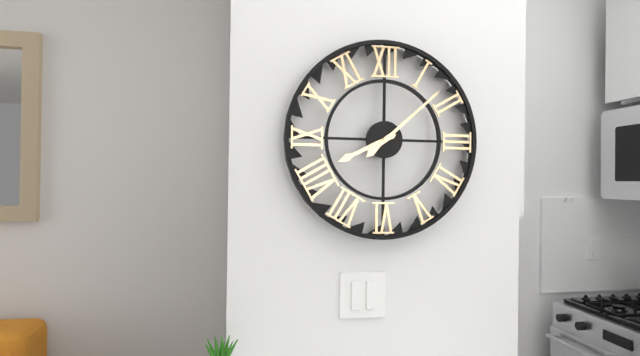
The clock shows **8:08**
